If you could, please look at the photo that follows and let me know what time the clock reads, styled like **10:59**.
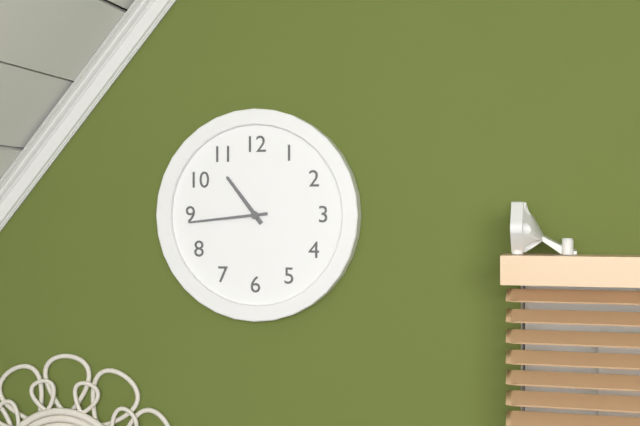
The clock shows **10:44**
